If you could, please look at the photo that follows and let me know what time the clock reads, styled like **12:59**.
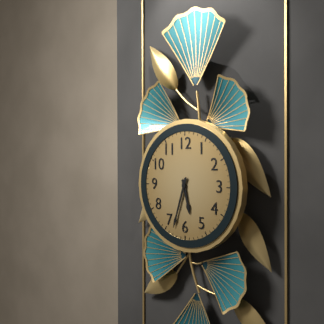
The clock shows **5:33**
